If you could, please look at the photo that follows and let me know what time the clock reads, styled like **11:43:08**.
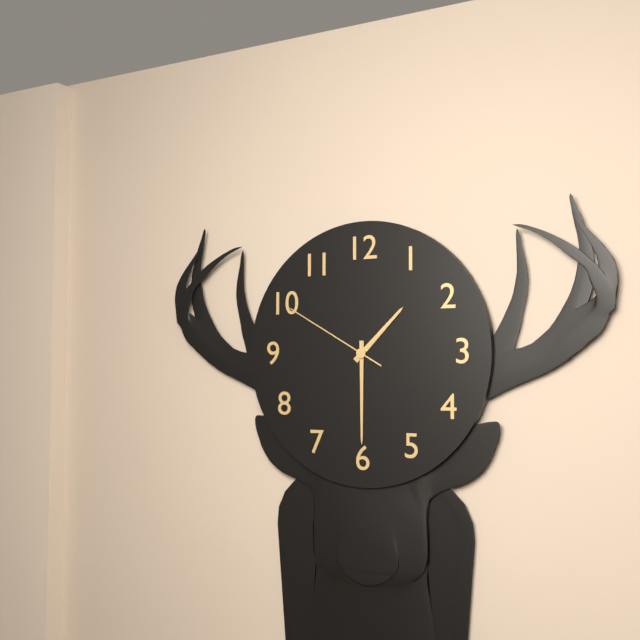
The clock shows **1:30:50**
